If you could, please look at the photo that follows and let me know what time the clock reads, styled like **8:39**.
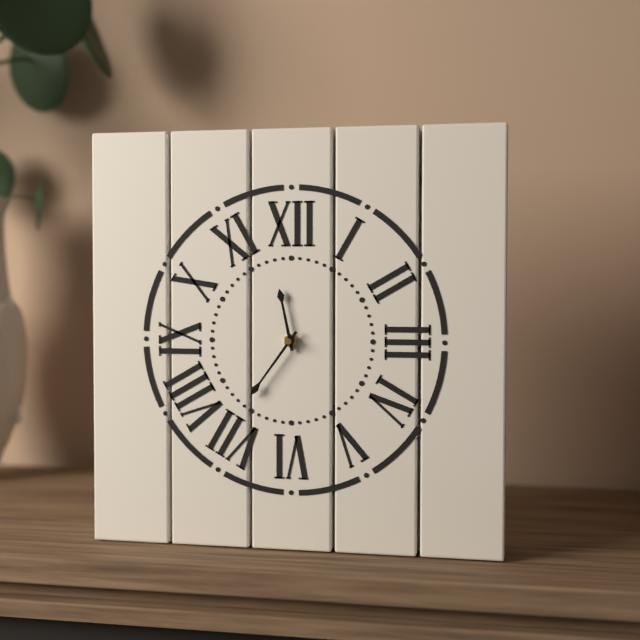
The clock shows **11:36**
